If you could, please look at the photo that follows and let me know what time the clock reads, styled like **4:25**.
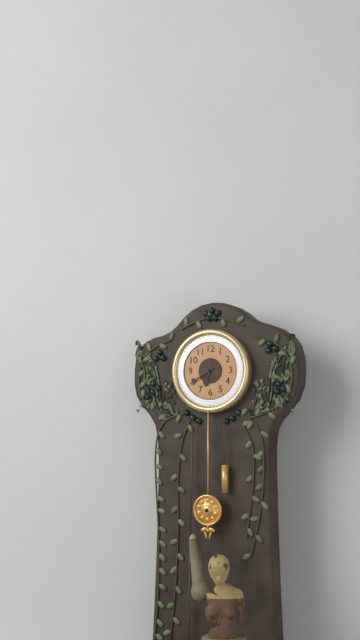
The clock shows **6:40**
